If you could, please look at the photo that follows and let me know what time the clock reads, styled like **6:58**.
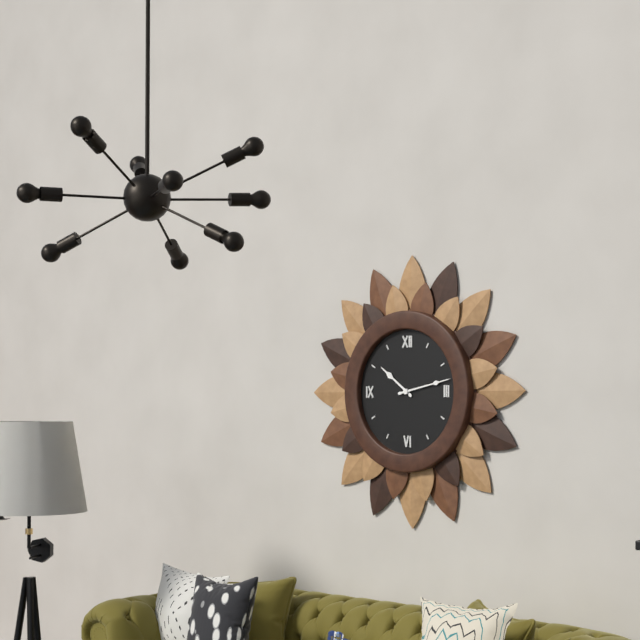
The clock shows **10:13**
